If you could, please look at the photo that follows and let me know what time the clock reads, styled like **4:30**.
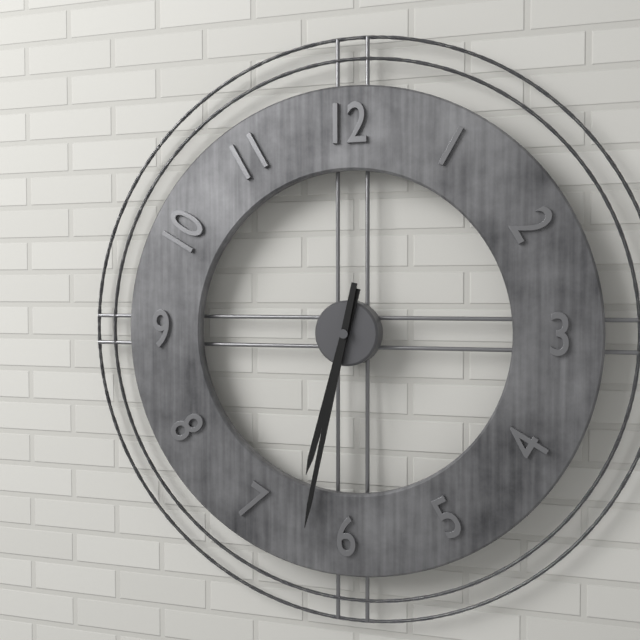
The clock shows **6:32**
